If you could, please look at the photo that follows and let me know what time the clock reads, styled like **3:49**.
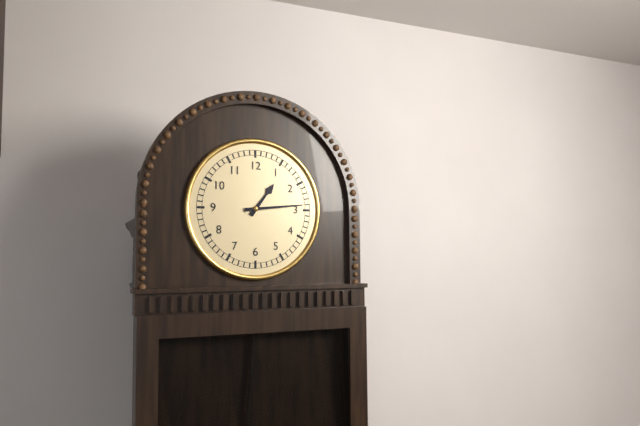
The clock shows **1:14**
